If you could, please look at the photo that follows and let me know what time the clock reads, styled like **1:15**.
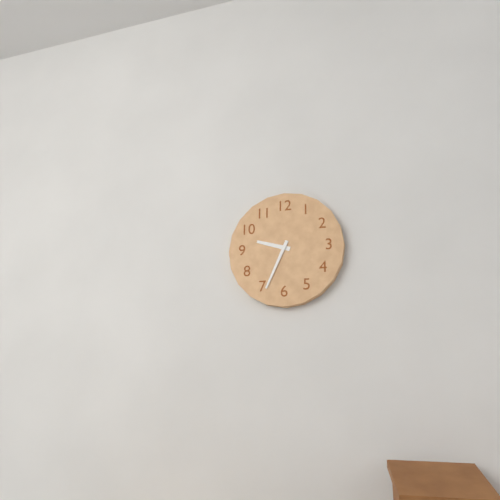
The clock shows **9:34**
